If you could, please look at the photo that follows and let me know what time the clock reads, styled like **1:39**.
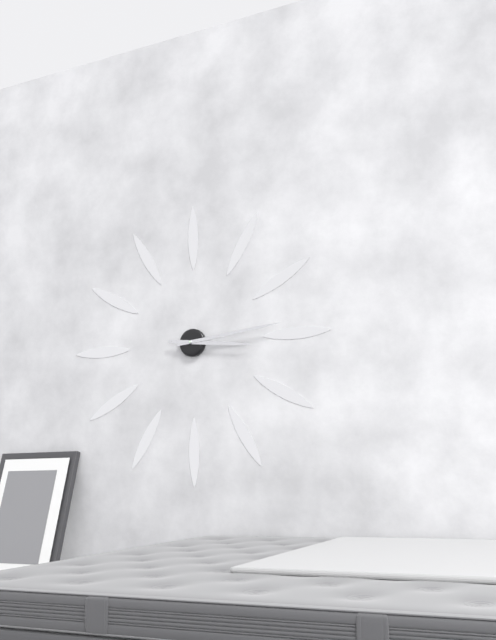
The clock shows **3:14**
